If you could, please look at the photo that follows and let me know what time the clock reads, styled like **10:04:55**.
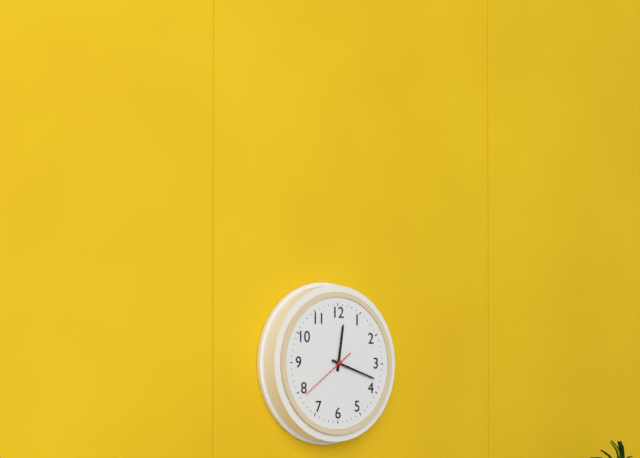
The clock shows **12:18:39**
